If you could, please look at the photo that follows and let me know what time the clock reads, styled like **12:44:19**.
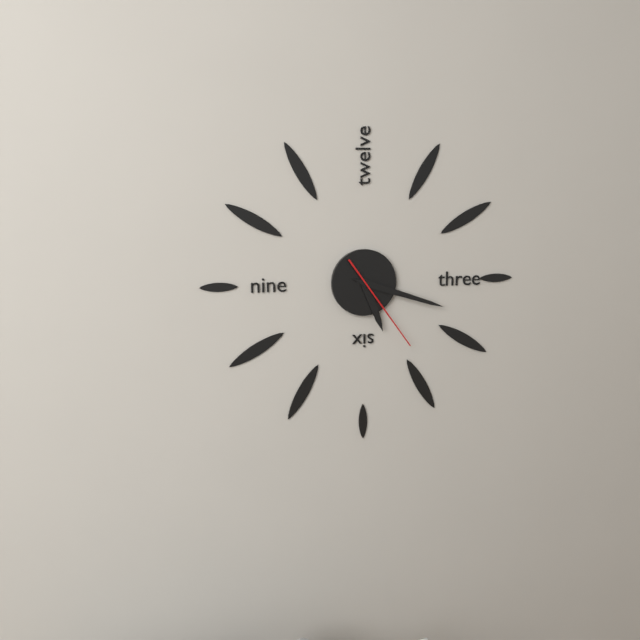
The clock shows **5:18:24**
